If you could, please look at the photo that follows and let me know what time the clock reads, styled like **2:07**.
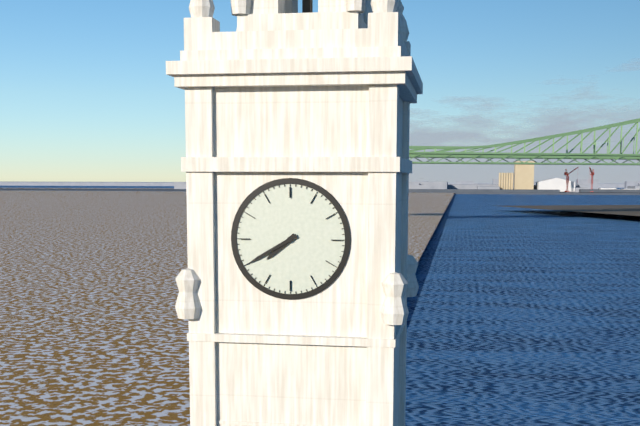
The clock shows **7:40**
